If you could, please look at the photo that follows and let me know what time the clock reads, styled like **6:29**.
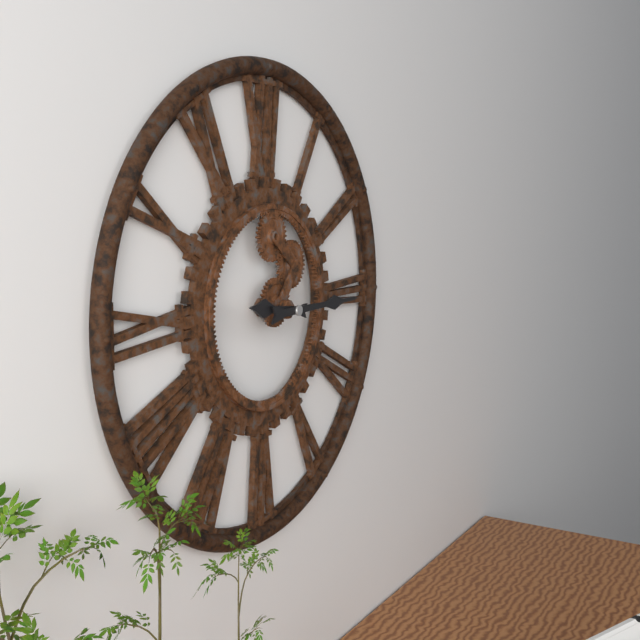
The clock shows **9:15**
